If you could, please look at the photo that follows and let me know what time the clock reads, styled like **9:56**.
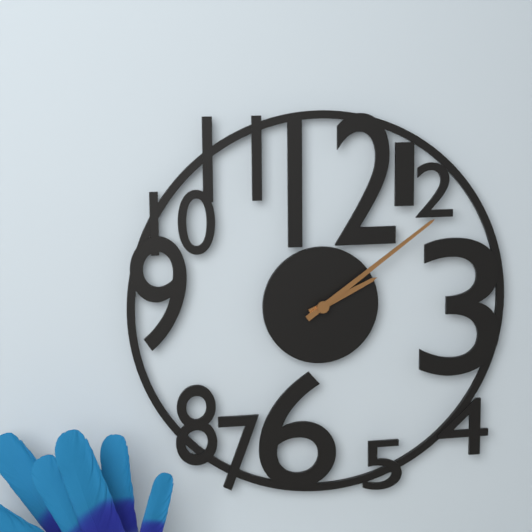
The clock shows **2:09**
